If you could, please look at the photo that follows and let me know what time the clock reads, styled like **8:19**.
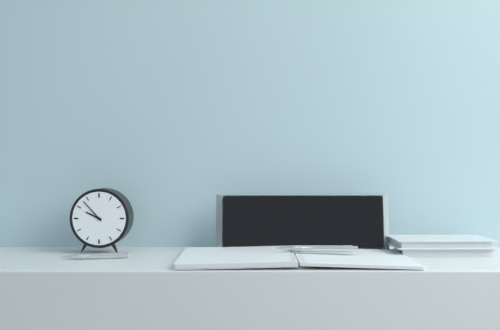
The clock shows **9:53**
